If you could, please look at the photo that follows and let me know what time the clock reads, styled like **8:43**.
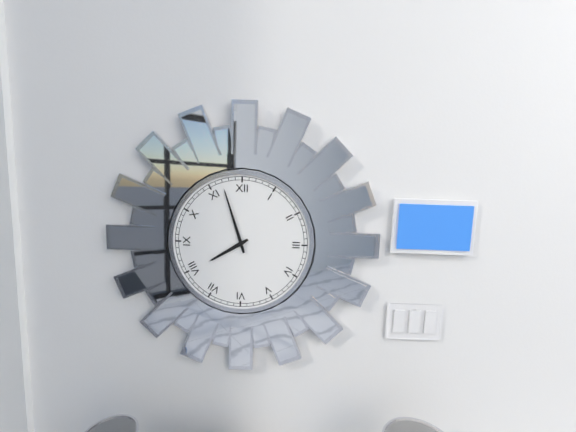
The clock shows **7:57**
